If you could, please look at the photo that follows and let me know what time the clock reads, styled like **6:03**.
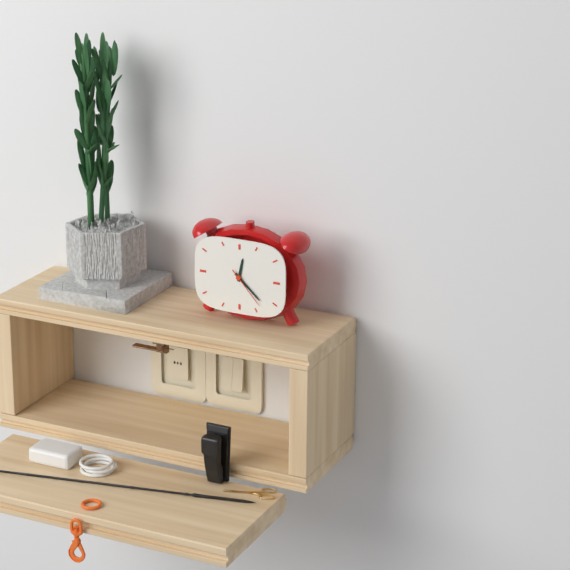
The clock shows **12:22**
